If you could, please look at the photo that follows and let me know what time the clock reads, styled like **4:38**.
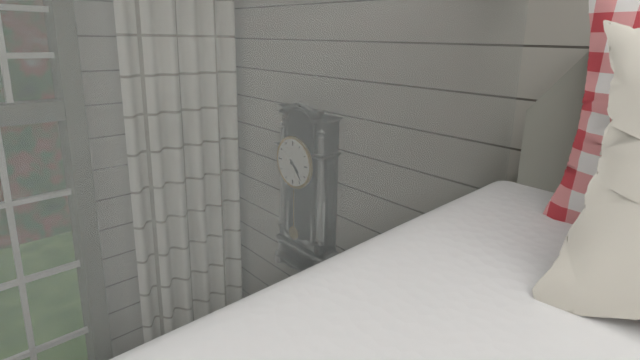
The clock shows **4:23**
